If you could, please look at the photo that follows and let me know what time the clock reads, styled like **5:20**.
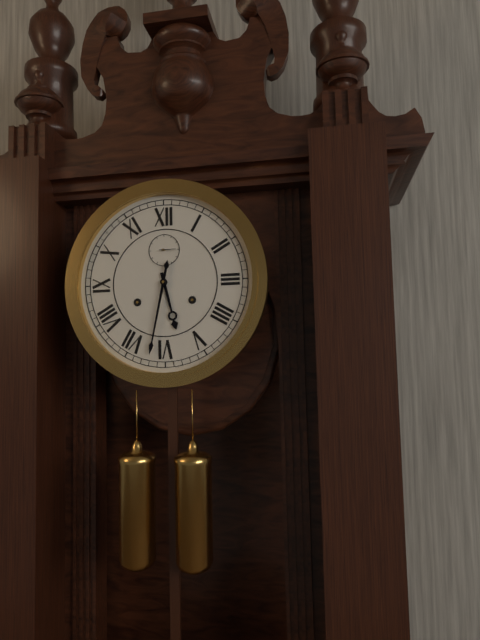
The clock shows **5:32**
